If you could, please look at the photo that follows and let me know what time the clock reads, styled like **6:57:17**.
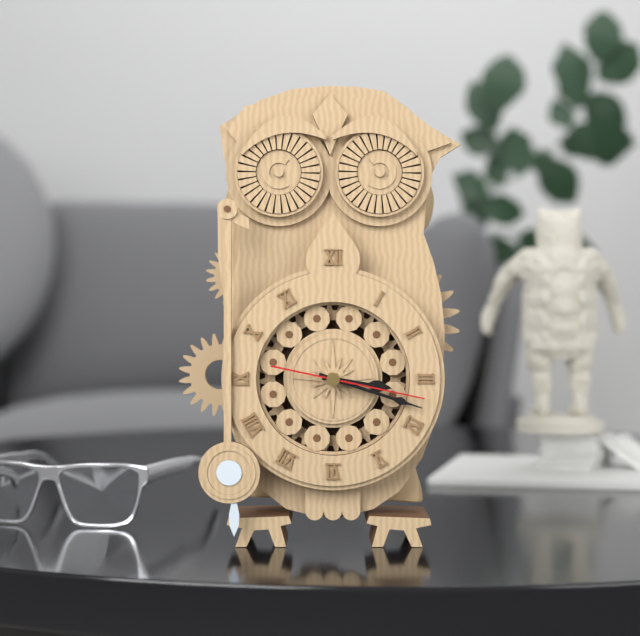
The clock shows **3:18:17**
